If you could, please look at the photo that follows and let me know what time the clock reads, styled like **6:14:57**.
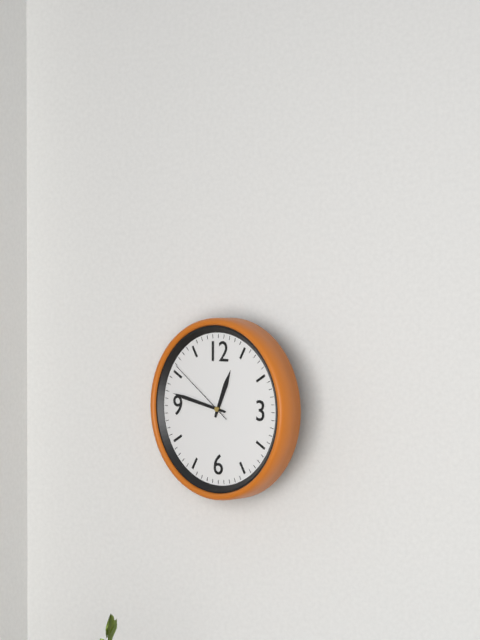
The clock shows **12:47:51**
